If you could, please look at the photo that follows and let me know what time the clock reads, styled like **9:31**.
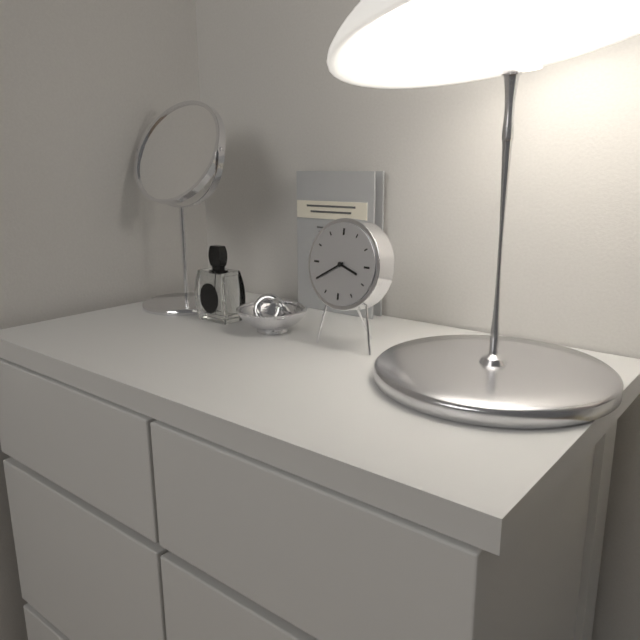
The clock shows **3:40**
